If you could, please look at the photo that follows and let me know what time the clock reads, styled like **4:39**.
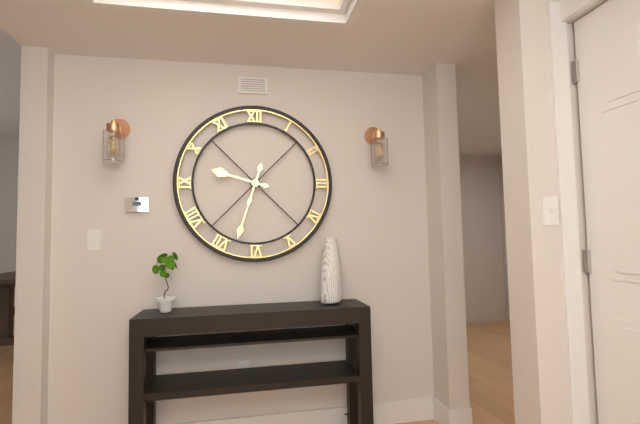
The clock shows **9:33**
